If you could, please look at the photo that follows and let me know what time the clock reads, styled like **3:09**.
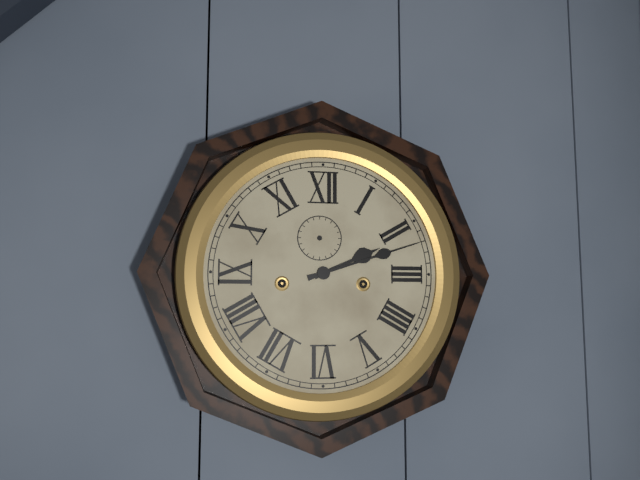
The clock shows **2:12**
